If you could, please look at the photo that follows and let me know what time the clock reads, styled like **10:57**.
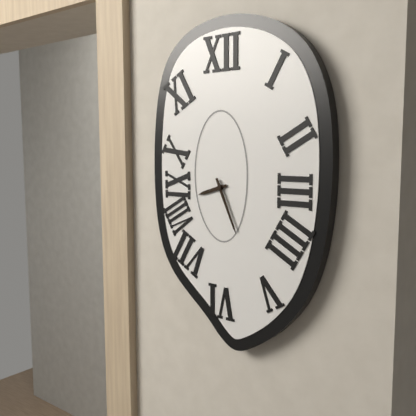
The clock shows **8:26**
